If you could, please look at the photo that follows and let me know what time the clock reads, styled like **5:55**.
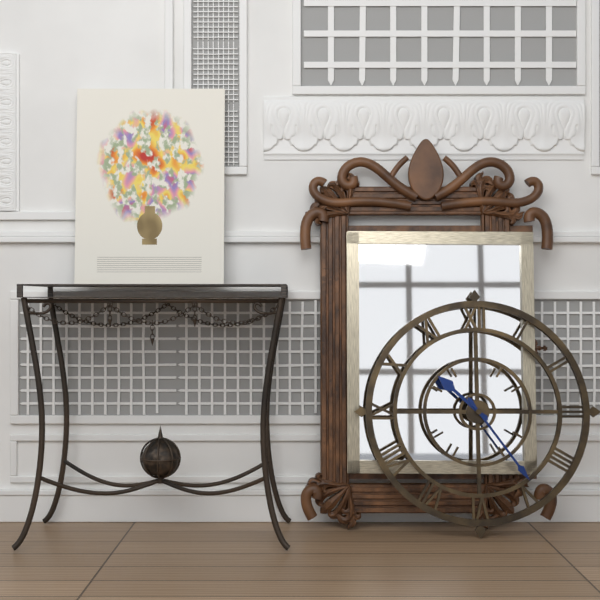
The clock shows **10:24**
